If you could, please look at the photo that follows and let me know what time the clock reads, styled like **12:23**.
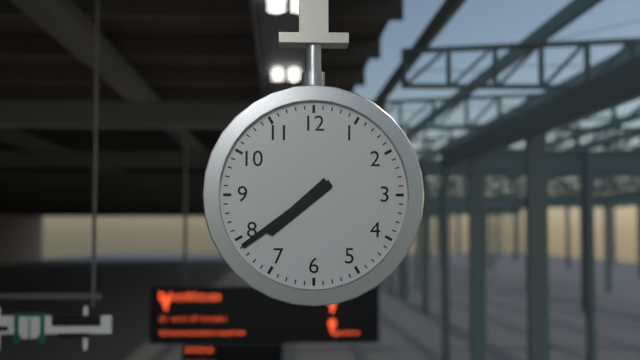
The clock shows **7:39**
